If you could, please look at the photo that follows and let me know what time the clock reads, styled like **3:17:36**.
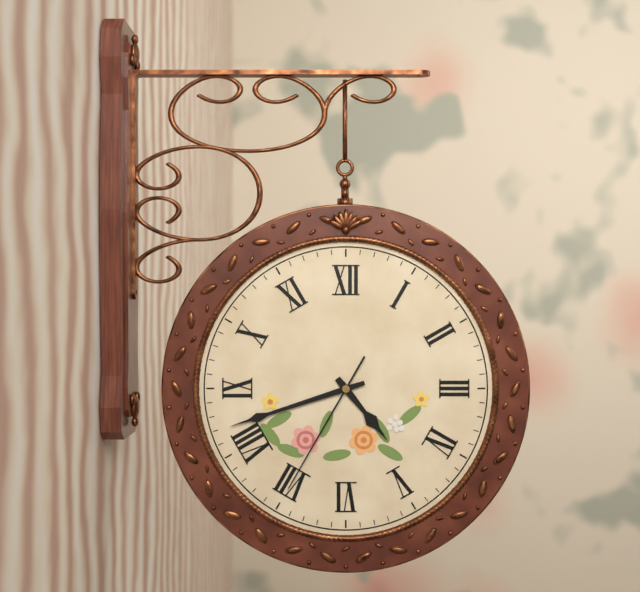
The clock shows **4:42:35**
